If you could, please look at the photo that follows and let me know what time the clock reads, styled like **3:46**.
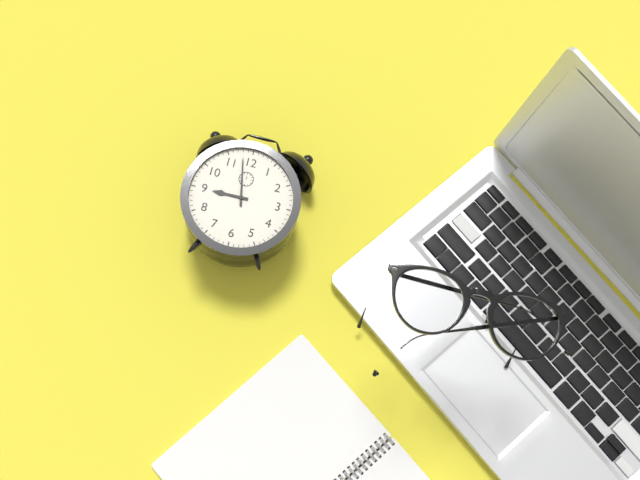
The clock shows **8:58**
